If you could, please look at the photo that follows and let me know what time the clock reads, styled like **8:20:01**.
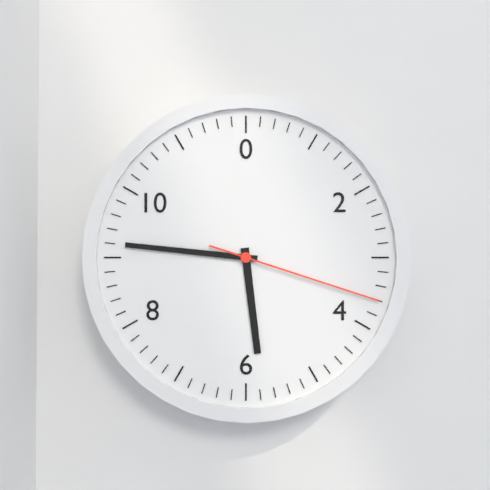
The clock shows **5:46:18**
